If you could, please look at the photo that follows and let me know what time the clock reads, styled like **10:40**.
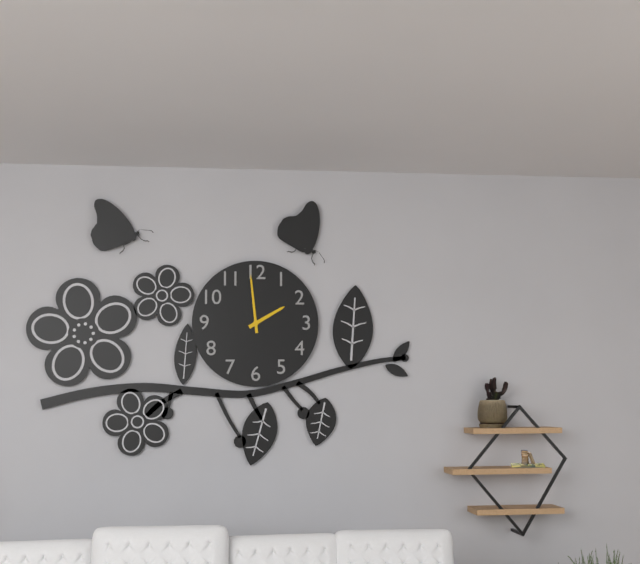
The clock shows **1:59**
